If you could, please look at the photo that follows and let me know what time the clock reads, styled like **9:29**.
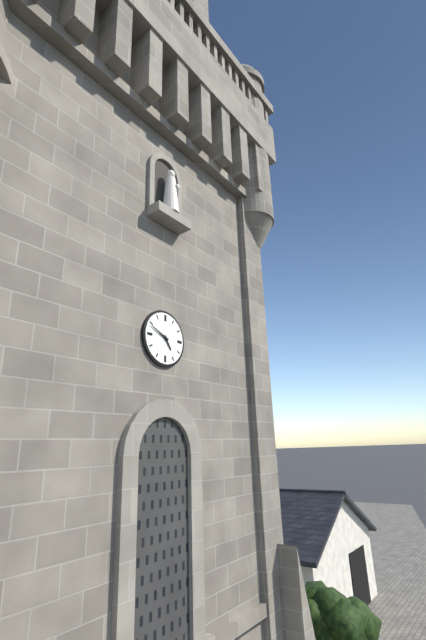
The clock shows **4:49**
